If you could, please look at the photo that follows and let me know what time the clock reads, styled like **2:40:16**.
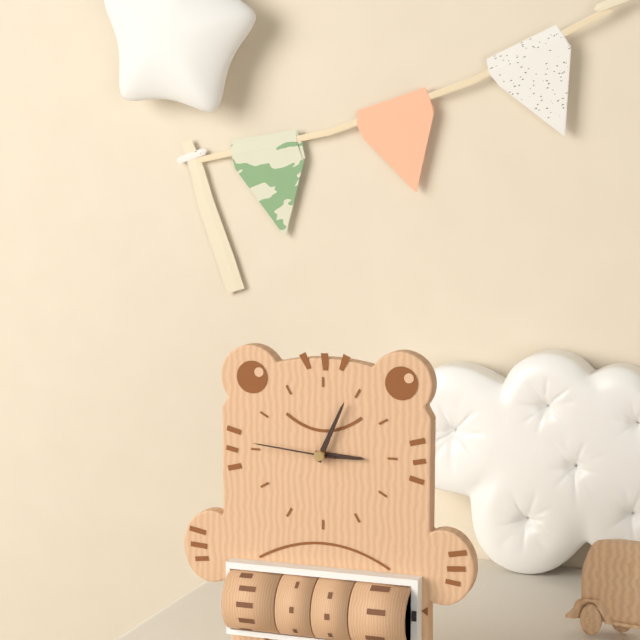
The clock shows **3:04:46**
